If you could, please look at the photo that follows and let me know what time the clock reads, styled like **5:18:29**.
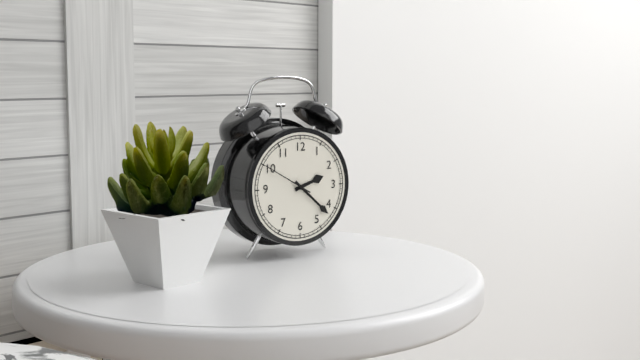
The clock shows **2:22:50**
